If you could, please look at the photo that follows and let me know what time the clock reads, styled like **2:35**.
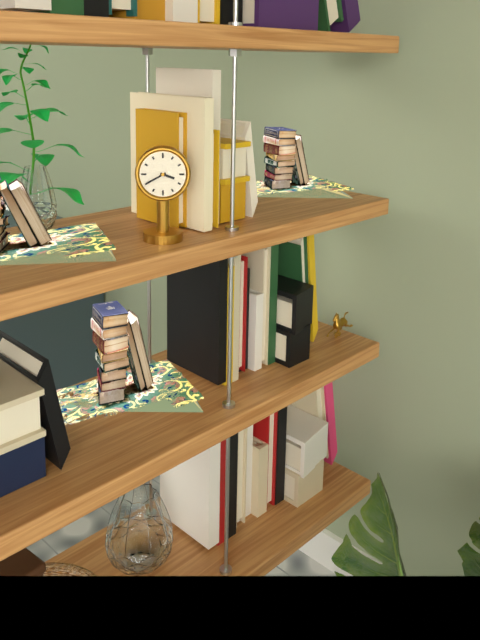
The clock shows **3:40**
